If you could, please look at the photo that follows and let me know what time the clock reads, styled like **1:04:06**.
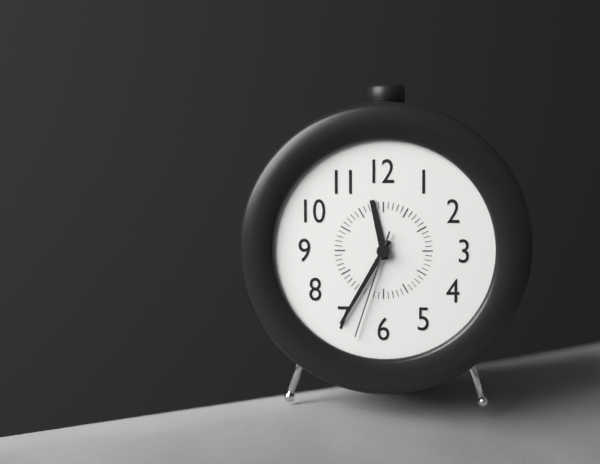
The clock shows **11:35:33**
